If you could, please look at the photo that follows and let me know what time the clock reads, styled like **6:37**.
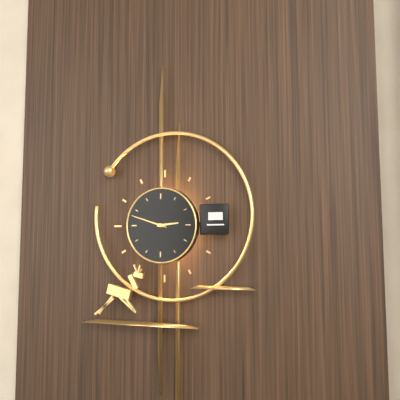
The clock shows **2:48**
